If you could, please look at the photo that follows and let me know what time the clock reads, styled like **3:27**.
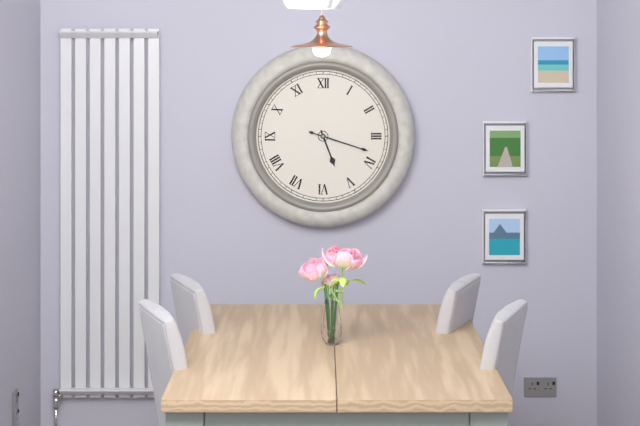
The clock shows **5:18**
